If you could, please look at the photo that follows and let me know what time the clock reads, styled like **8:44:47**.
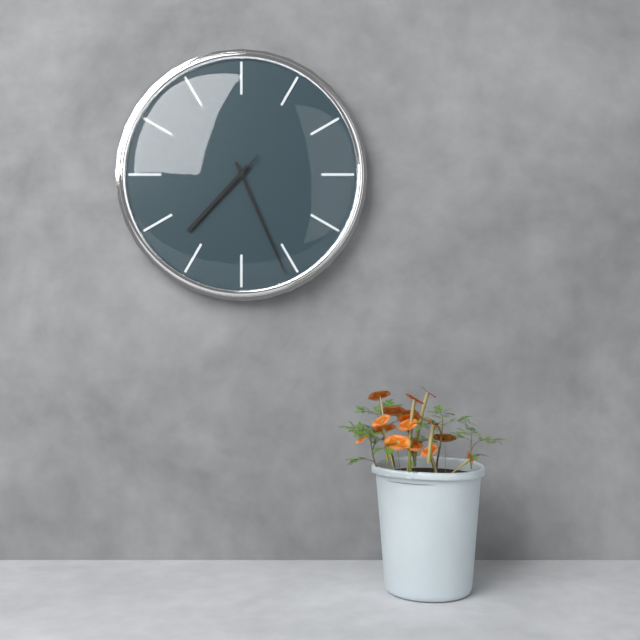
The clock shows **7:26:37**
